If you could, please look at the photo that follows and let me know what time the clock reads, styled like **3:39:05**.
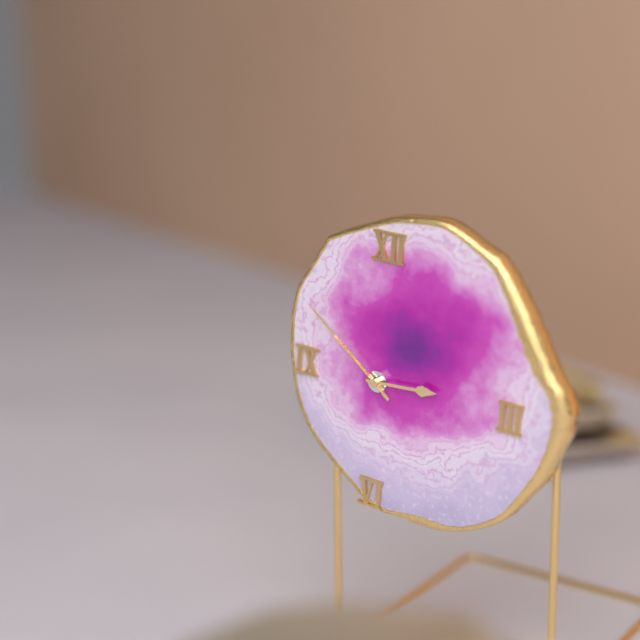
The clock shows **2:51:51**
